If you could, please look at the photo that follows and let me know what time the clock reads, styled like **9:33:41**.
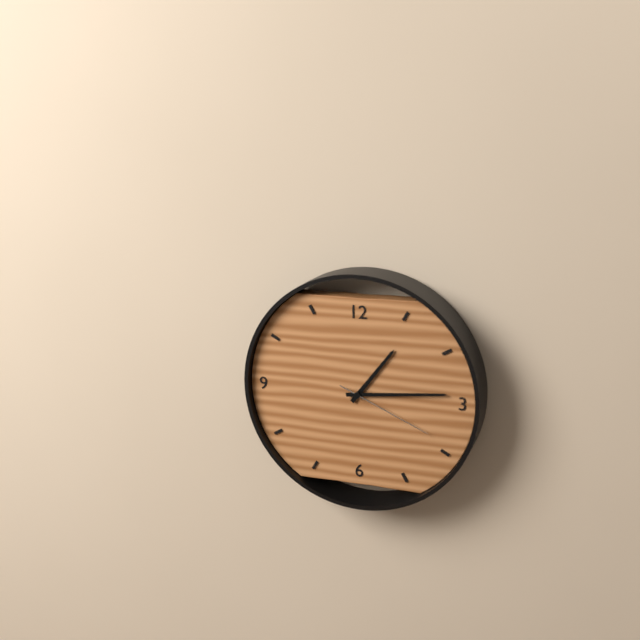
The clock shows **1:14:19**
